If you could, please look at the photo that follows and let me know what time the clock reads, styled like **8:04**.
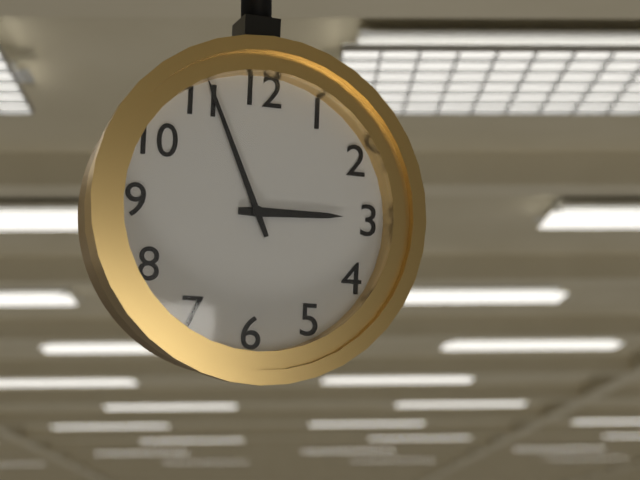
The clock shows **2:56**
